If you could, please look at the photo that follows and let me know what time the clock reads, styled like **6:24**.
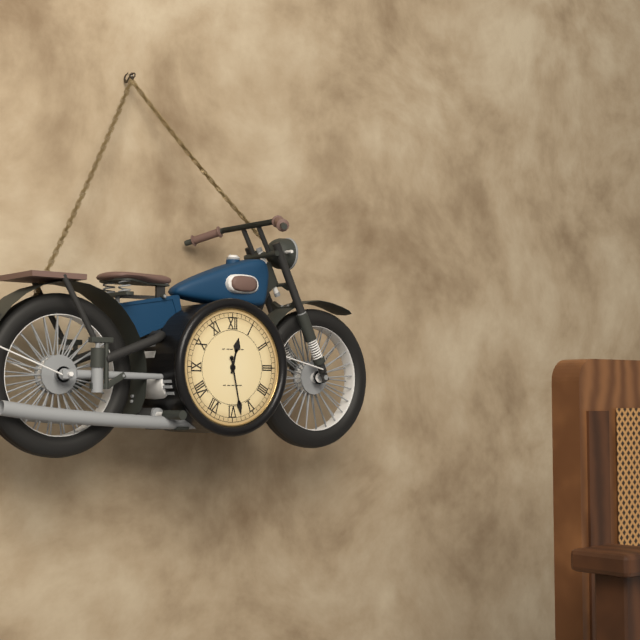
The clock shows **12:28**
